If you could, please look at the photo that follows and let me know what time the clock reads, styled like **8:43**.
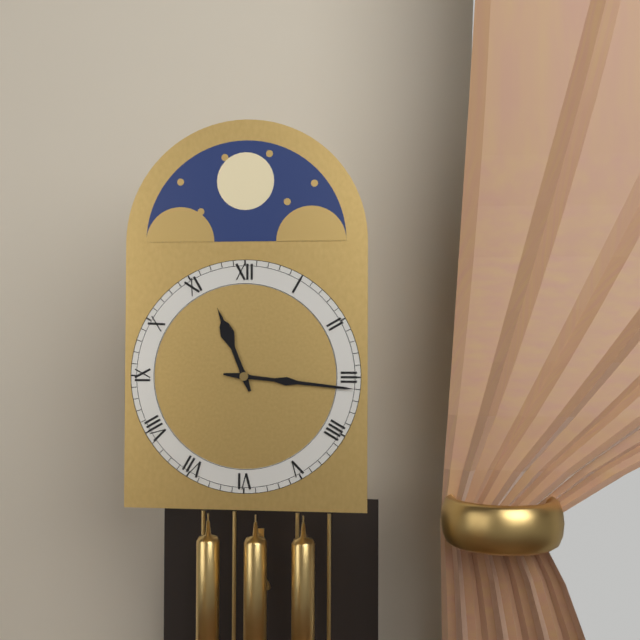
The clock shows **11:16**
